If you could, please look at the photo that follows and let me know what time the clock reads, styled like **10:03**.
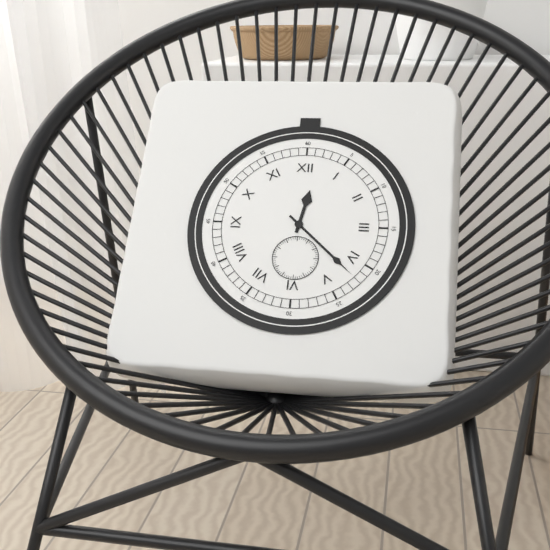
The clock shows **12:22**
